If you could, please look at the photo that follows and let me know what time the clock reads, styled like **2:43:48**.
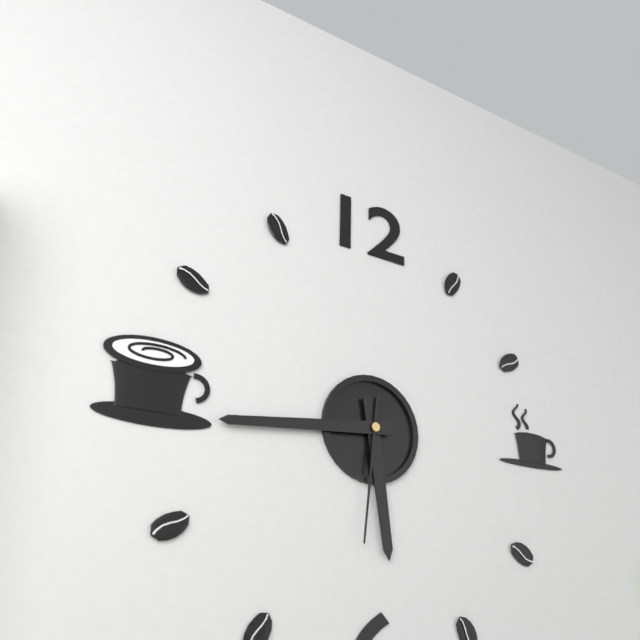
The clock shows **5:44:31**
